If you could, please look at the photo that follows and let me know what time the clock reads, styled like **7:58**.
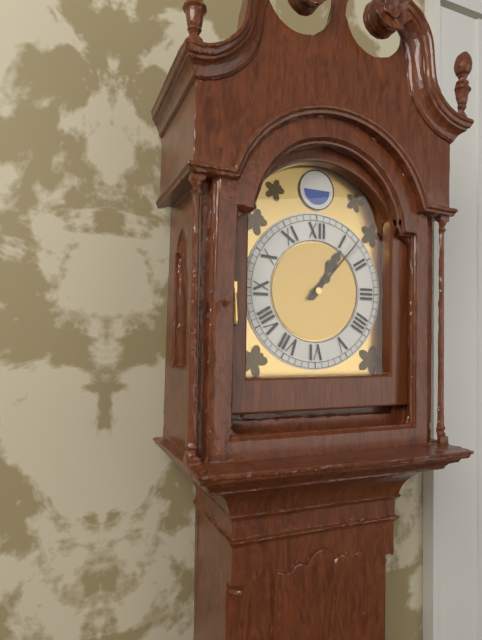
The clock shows **1:07**
